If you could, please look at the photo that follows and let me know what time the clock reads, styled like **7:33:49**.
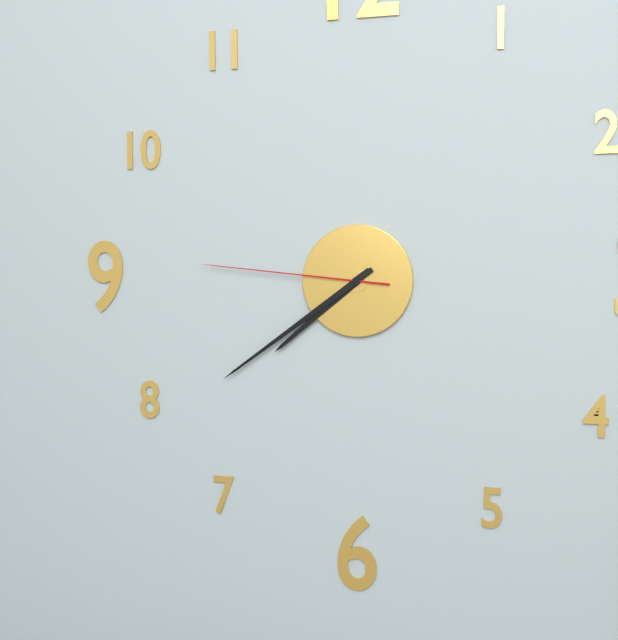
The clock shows **7:39:46**
